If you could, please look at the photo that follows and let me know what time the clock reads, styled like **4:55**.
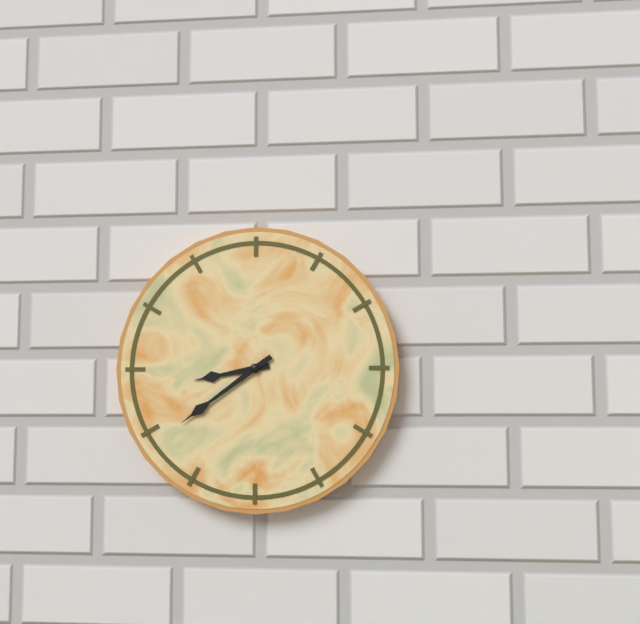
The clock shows **8:39**
